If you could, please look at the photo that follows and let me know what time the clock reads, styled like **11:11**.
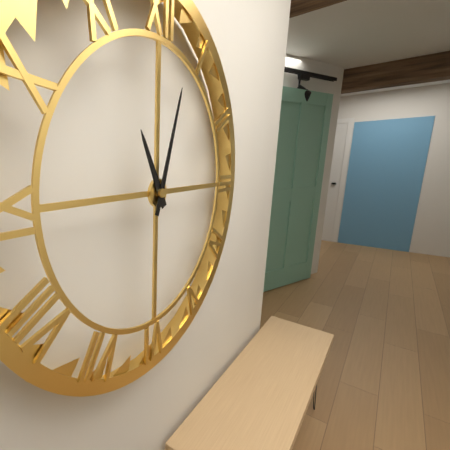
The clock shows **11:03**
